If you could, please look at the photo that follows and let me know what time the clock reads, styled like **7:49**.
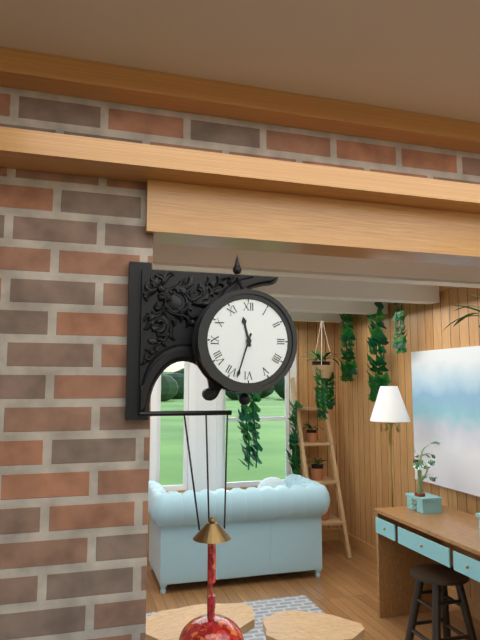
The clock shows **11:33**
